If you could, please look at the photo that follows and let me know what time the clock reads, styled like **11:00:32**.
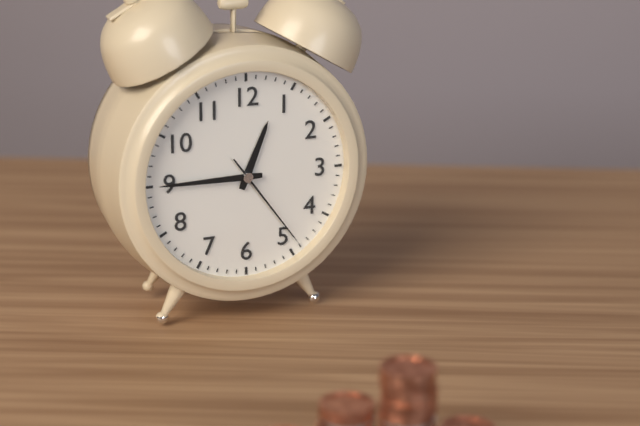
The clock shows **12:45:24**
